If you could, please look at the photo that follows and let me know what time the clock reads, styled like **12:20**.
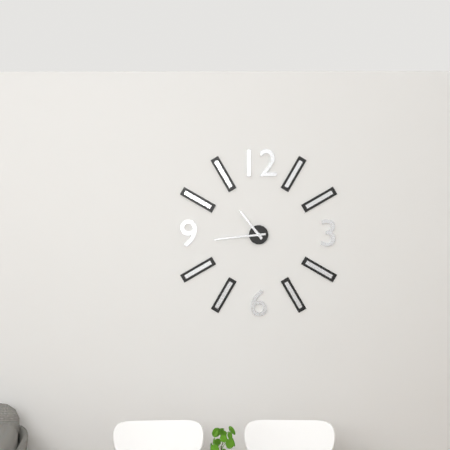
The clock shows **10:44**
